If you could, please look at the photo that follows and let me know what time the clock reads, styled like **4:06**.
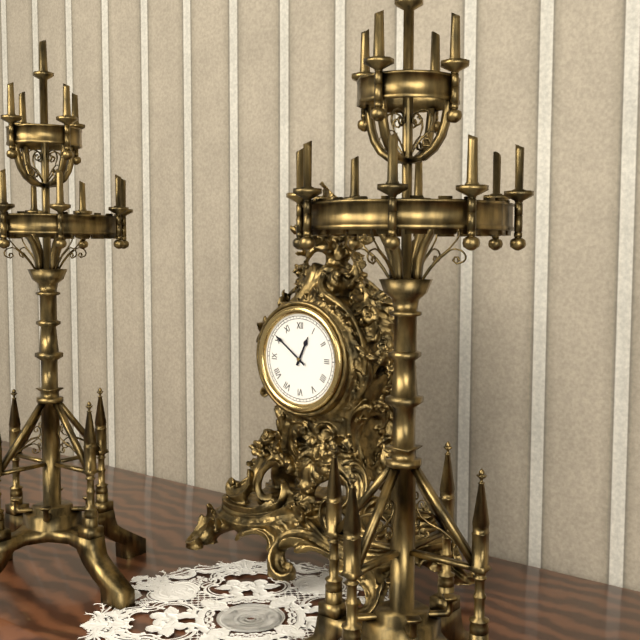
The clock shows **12:51**
